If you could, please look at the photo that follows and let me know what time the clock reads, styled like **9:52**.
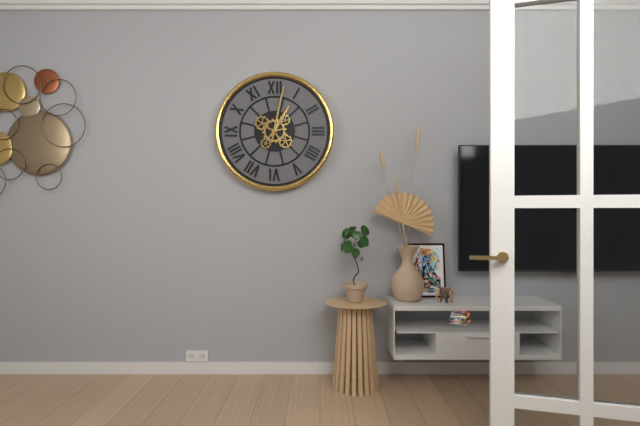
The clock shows **1:02**
